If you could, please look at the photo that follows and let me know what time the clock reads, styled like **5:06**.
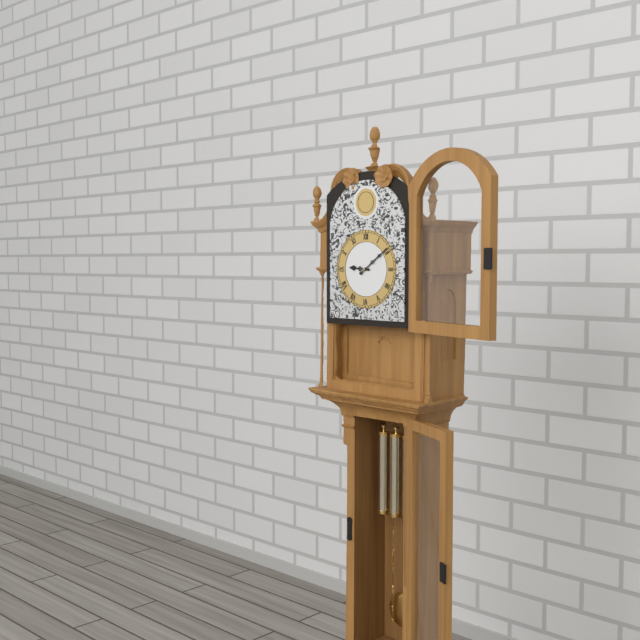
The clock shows **9:09**
